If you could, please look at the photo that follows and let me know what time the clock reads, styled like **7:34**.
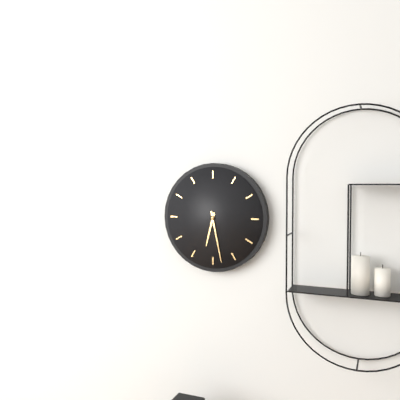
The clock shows **6:28**
